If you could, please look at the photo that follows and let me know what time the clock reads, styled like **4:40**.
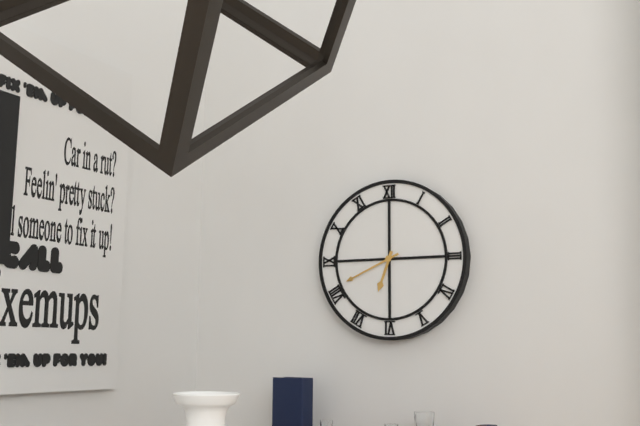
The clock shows **6:41**
